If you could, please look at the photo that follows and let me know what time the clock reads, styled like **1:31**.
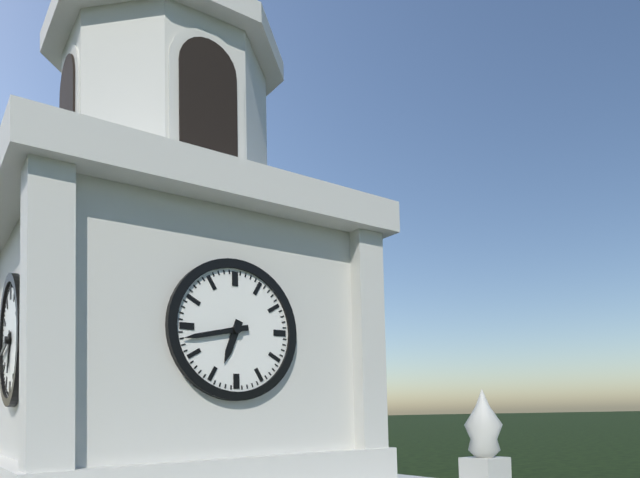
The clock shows **6:43**
